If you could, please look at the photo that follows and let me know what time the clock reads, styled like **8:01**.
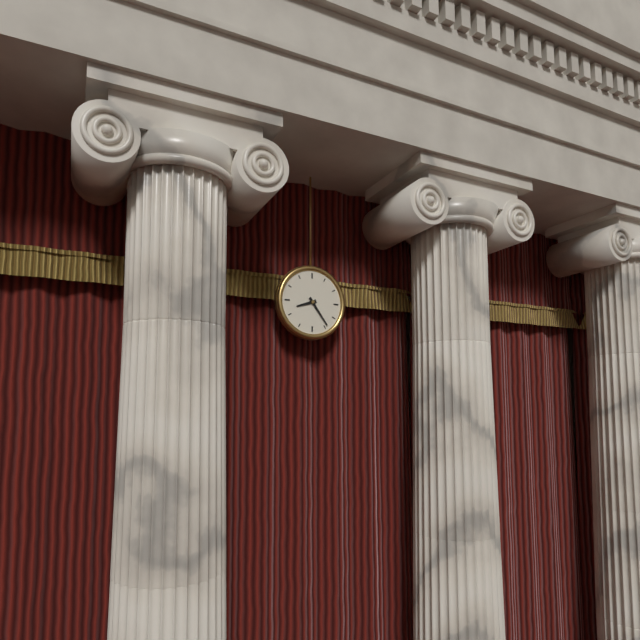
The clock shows **8:24**
